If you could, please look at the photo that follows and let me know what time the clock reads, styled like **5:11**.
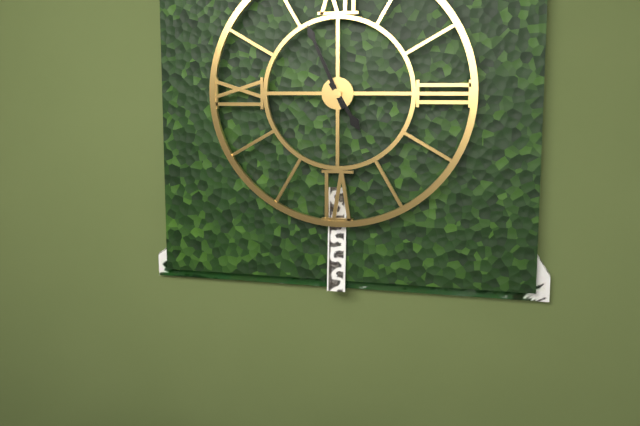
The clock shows **4:56**
